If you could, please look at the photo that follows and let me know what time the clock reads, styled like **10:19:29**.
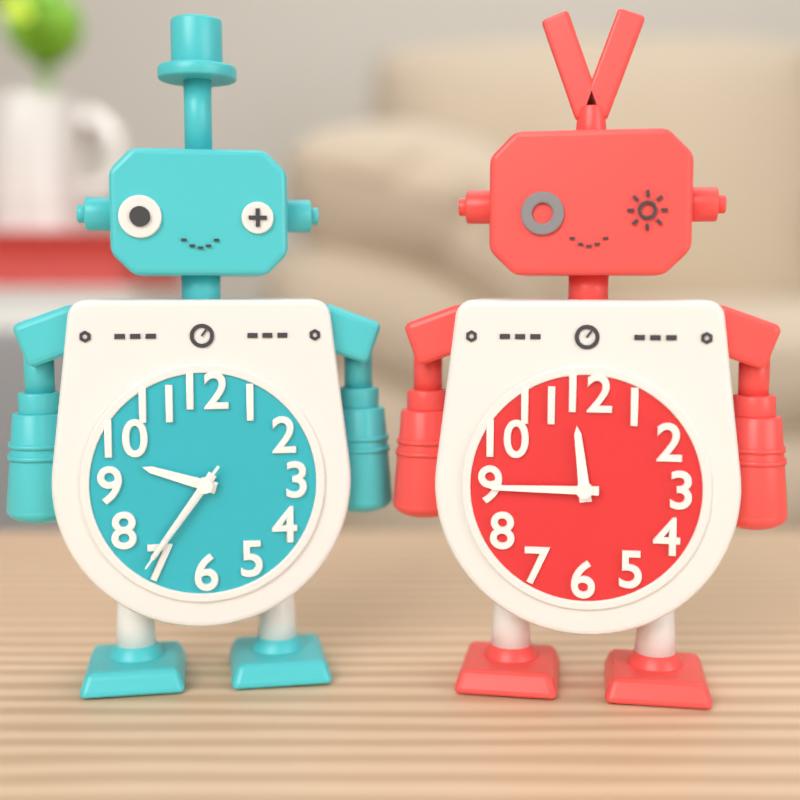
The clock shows **9:36:36**
